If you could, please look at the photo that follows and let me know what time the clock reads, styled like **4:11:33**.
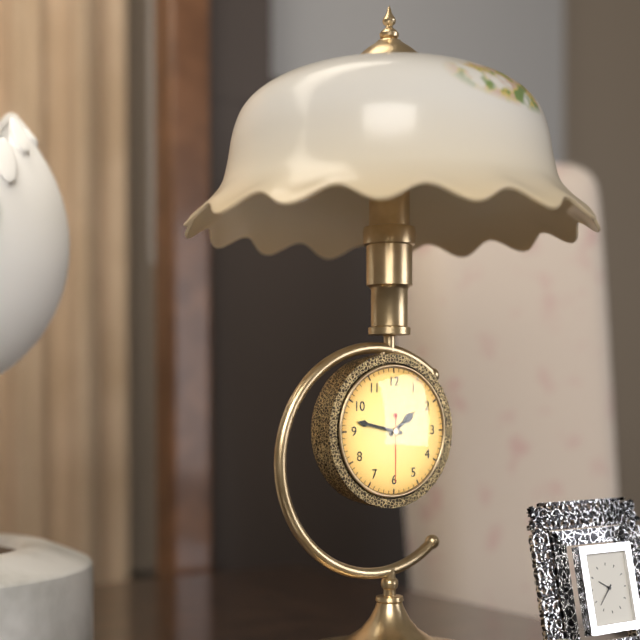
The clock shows **1:47:30**
